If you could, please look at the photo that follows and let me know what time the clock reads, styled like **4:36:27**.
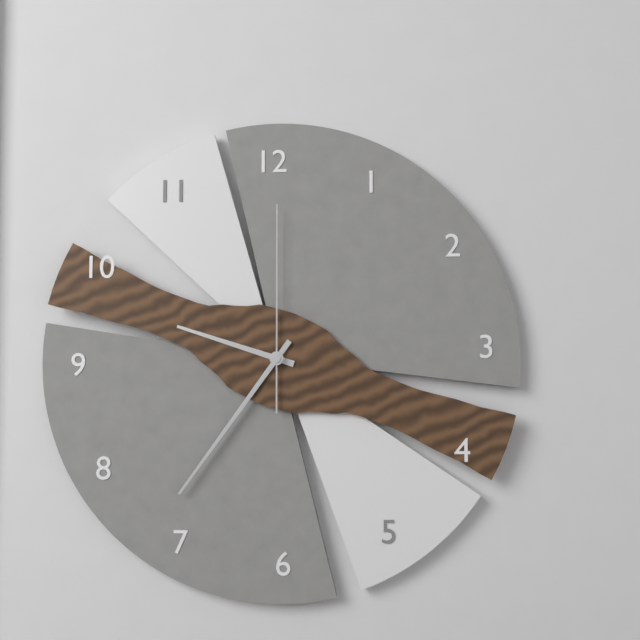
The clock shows **9:36:00**
